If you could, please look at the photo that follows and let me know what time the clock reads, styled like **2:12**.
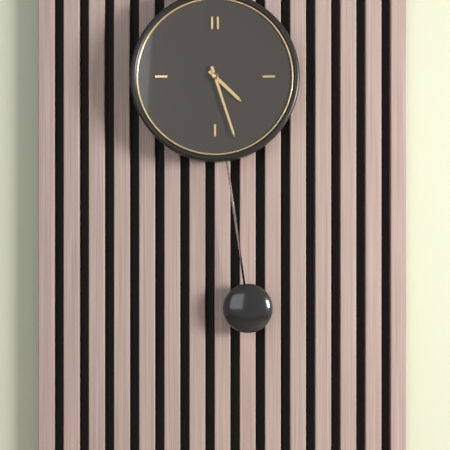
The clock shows **4:27**
